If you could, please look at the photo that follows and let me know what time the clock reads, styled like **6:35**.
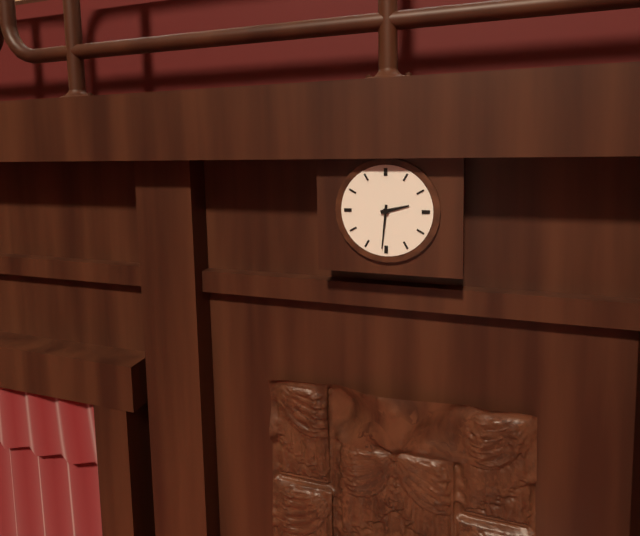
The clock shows **2:31**
